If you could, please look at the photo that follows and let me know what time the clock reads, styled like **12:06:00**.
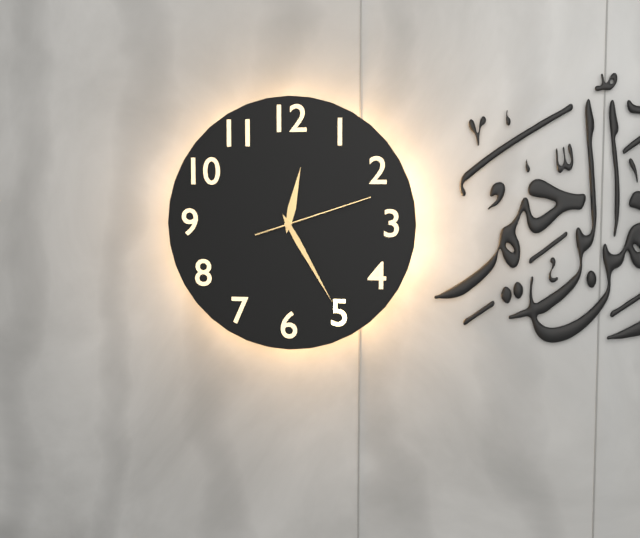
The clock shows **12:25:12**
